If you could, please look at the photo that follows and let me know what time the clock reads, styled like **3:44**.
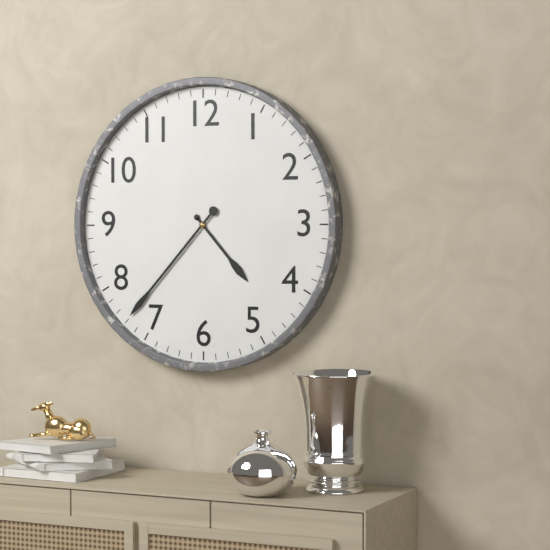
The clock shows **4:37**
